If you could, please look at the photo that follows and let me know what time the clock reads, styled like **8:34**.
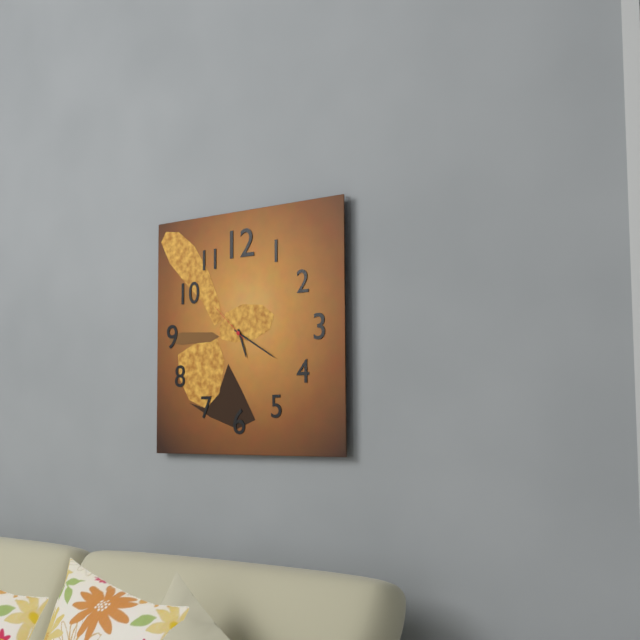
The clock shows **5:20**
